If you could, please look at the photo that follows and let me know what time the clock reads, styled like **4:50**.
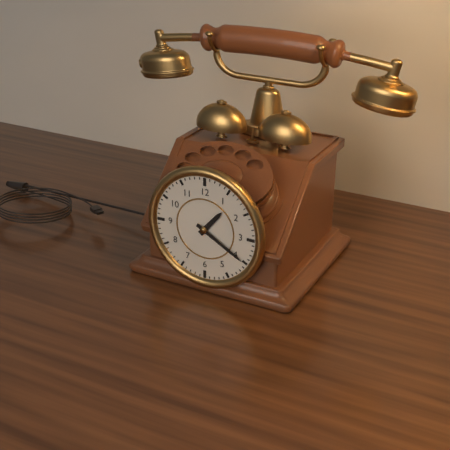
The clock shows **1:20**
